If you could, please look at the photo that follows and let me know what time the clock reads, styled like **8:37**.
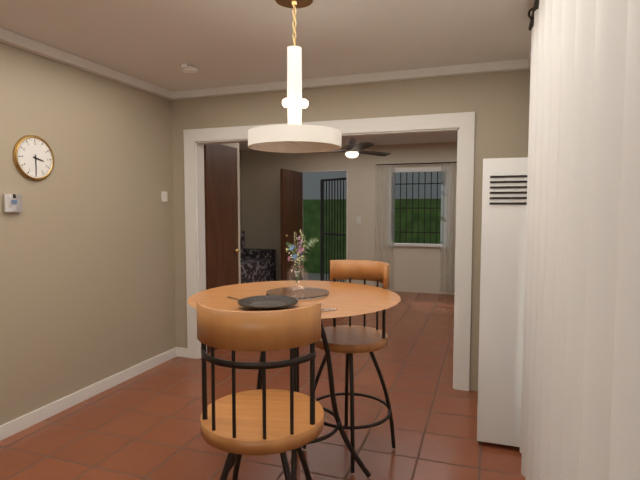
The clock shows **3:30**
